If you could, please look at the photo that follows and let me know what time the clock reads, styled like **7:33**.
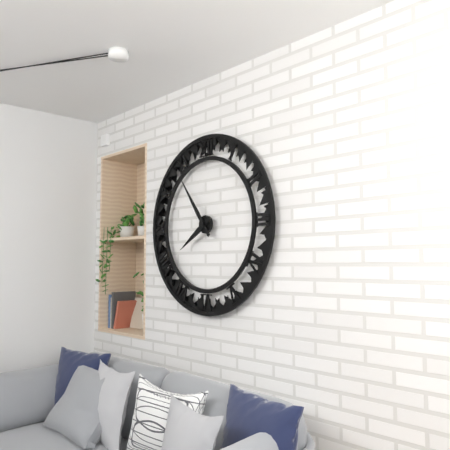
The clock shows **7:54**
